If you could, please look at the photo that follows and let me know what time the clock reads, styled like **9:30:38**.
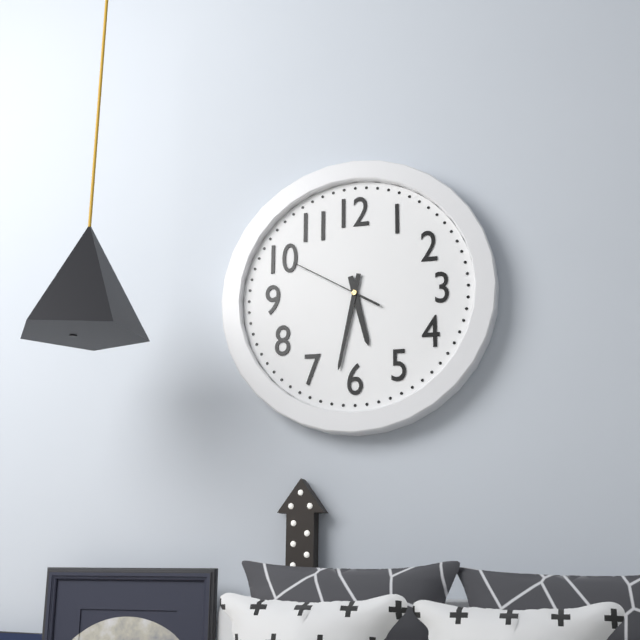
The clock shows **5:32:50**
